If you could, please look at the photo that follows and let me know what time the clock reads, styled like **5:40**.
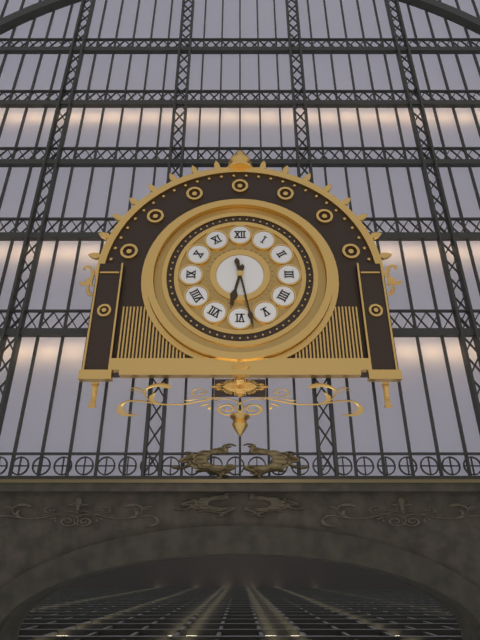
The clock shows **6:28**
